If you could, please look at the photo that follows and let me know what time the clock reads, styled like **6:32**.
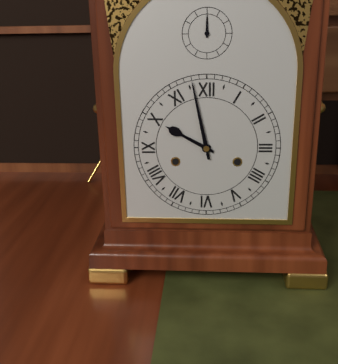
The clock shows **9:58**
